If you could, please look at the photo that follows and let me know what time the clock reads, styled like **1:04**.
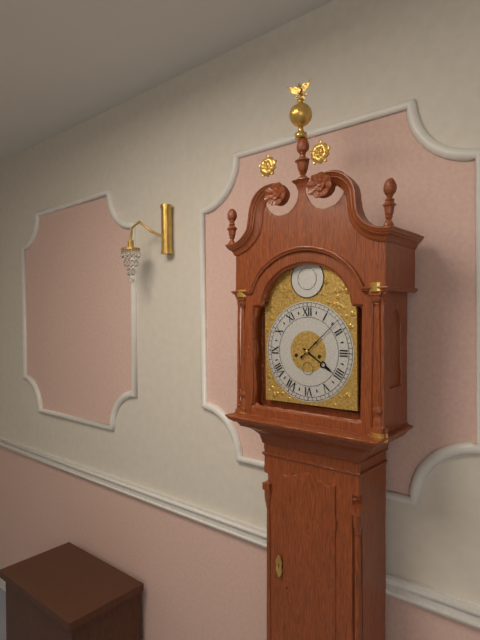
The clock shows **4:08**
